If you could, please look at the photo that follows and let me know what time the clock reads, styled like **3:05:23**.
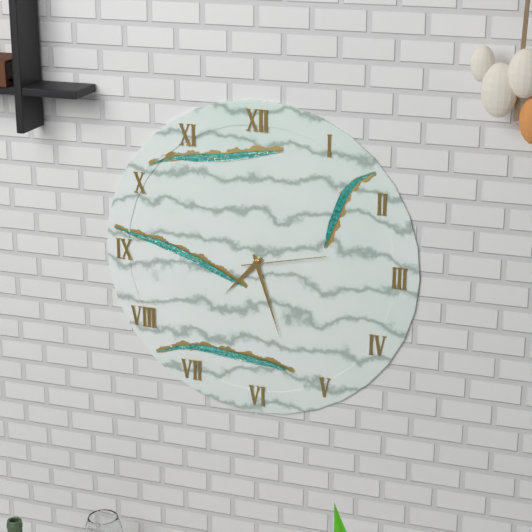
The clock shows **7:27:13**
